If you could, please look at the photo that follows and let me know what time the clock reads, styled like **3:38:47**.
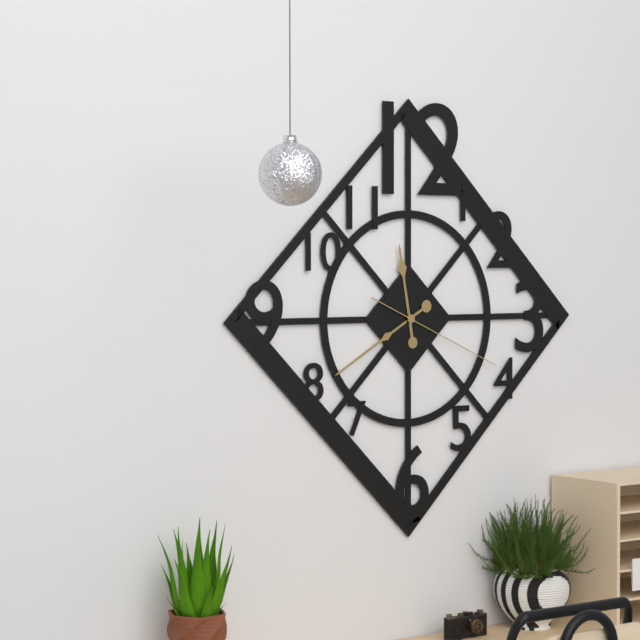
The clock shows **11:40:19**
